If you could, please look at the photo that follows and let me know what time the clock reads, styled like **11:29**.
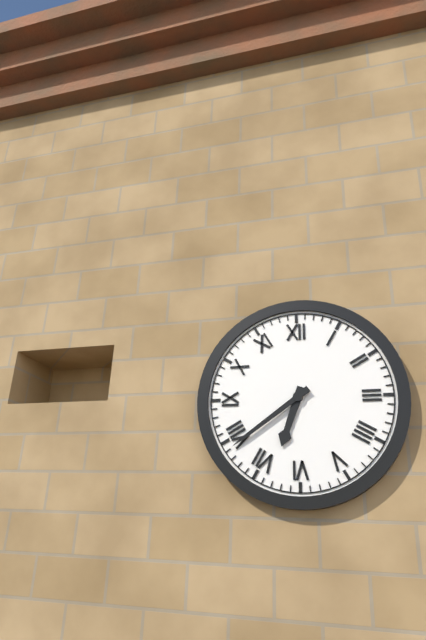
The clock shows **6:39**
